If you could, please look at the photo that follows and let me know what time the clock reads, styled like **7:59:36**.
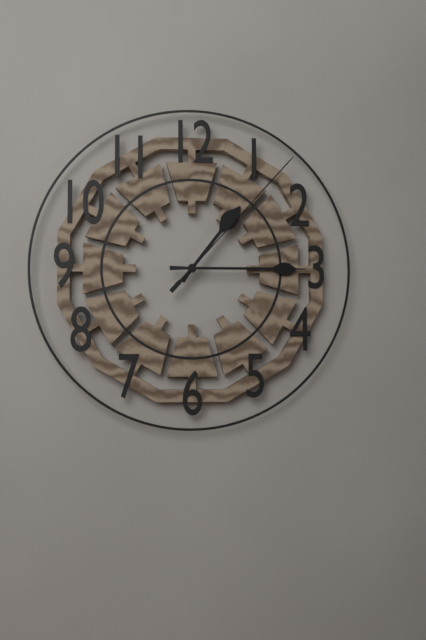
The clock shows **1:15:07**
